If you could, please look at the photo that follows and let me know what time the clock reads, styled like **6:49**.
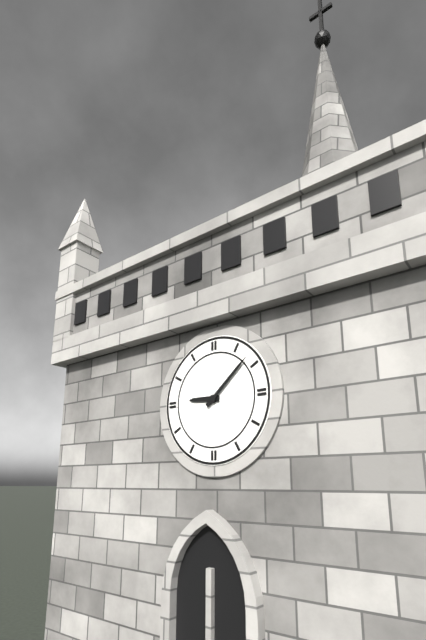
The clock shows **9:08**
